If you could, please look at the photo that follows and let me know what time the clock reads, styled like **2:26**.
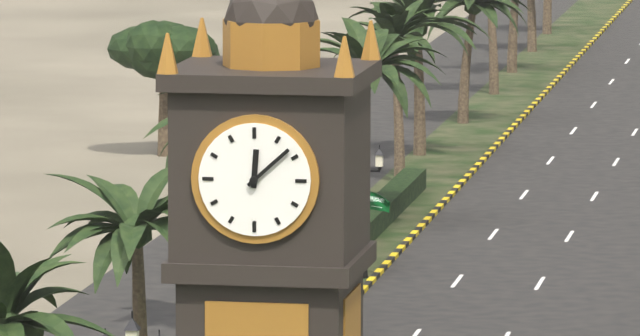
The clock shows **12:08**
